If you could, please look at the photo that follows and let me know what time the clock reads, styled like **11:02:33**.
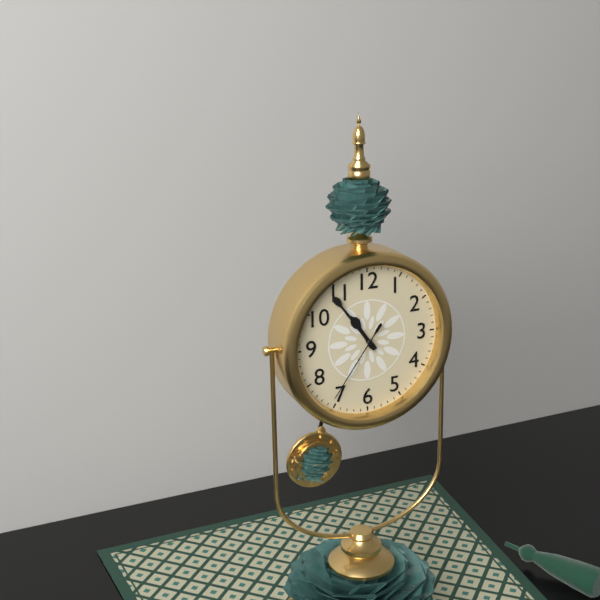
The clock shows **10:54:36**
